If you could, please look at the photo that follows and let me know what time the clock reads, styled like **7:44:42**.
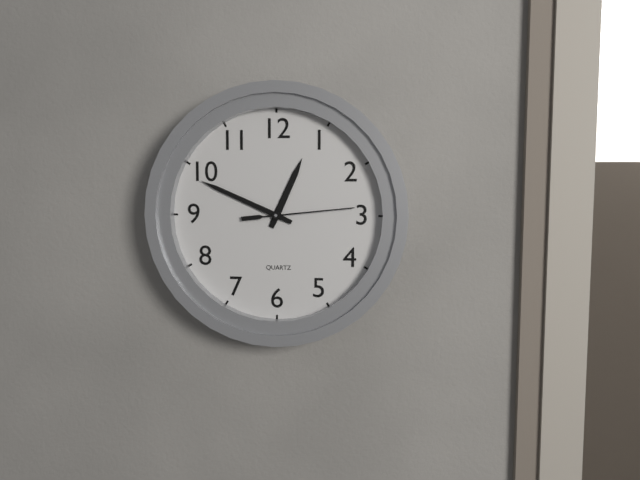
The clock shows **12:49:14**
